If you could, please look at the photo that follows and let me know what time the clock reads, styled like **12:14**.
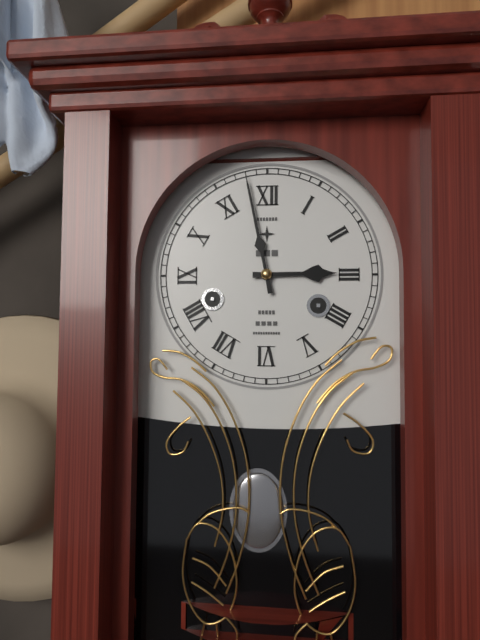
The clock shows **2:58**
